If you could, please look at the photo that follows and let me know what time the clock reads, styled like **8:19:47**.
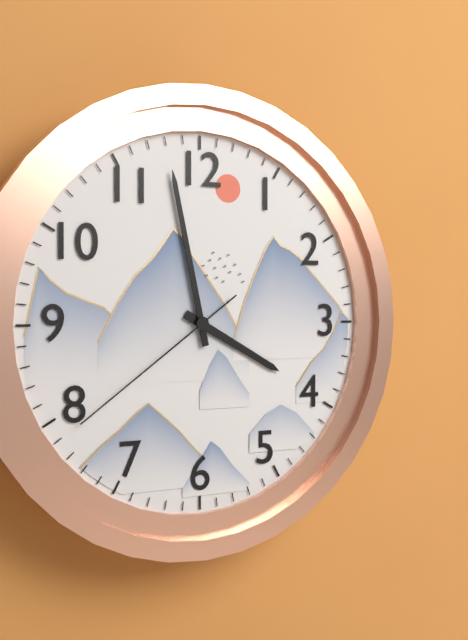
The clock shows **3:58:39**
